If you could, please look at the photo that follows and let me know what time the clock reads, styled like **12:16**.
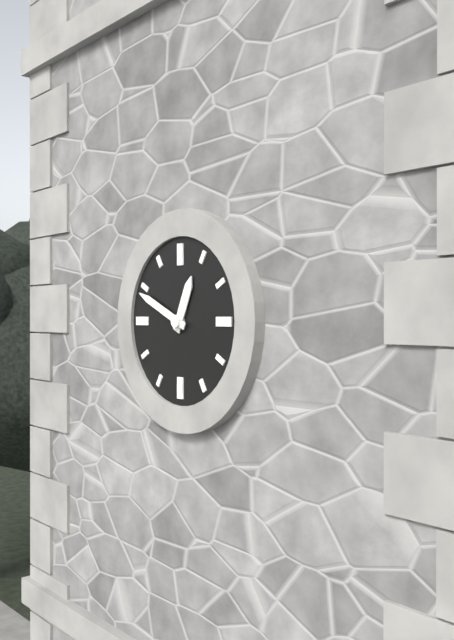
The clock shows **12:49**
